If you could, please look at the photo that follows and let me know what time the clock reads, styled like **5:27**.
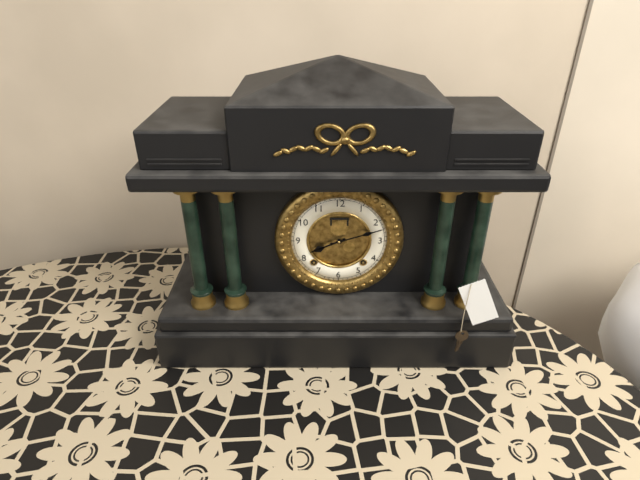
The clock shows **8:12**
